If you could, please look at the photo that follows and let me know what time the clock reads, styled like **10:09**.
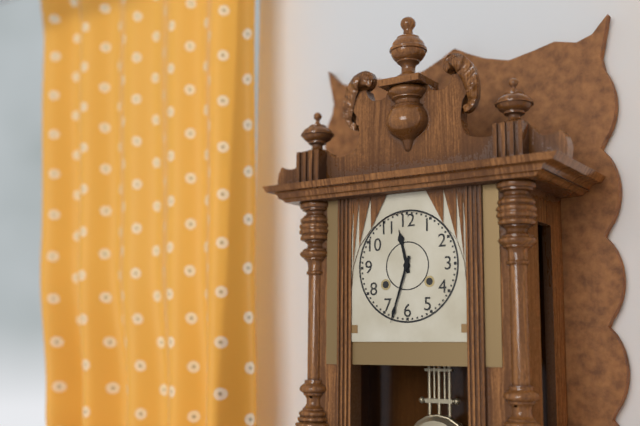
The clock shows **11:33**
